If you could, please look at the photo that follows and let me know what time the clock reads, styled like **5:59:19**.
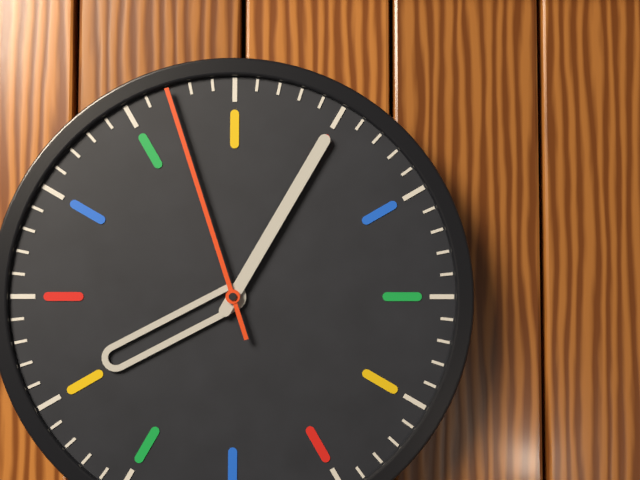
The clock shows **8:05:57**
